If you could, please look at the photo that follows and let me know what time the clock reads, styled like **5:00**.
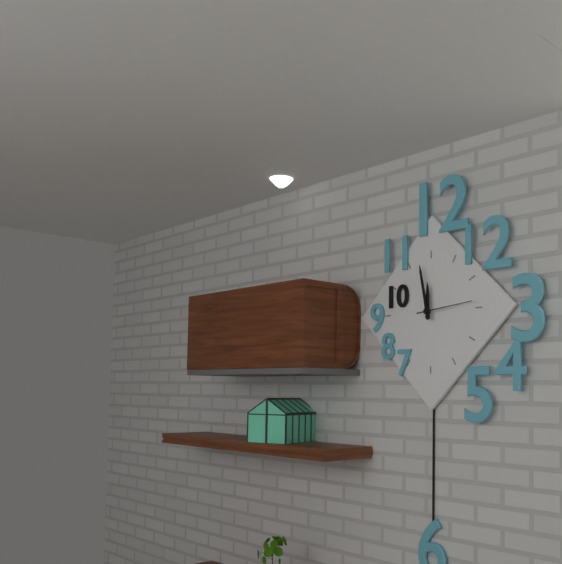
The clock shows **11:58**
